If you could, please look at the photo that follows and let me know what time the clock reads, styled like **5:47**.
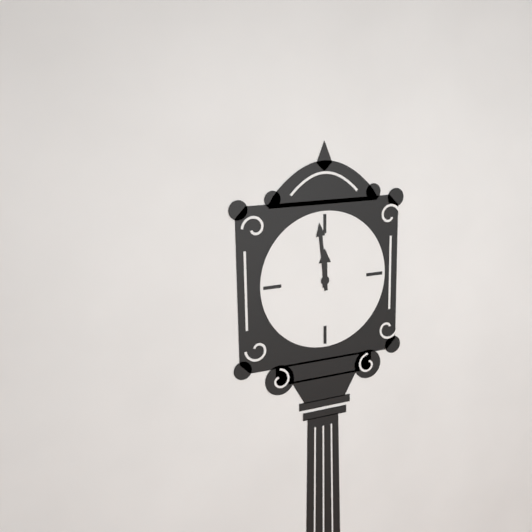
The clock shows **11:59**
